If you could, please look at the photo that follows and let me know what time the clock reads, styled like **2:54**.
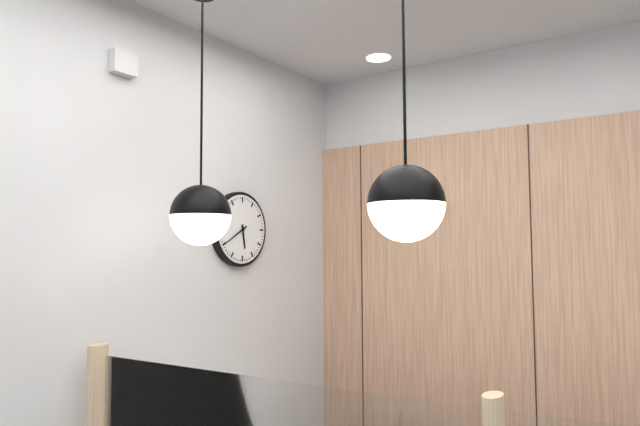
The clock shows **5:40**
